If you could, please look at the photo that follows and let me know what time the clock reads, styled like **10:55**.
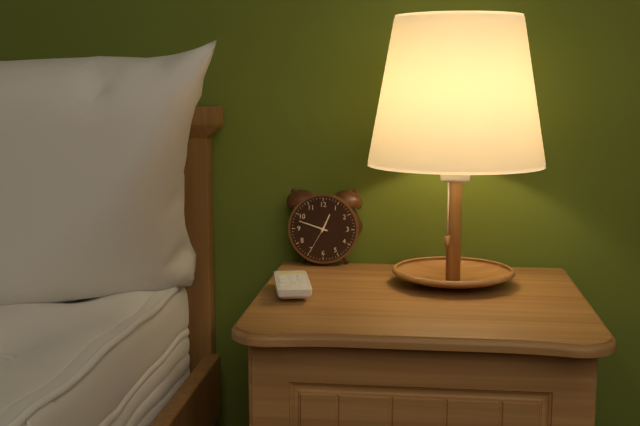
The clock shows **12:48**
